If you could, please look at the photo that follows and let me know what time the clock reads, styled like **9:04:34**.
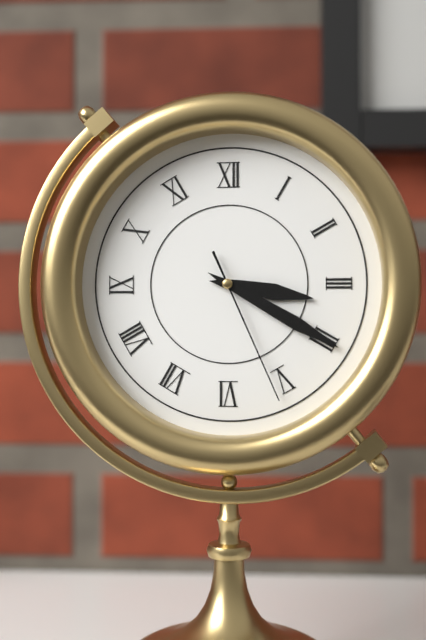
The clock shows **3:20:26**
